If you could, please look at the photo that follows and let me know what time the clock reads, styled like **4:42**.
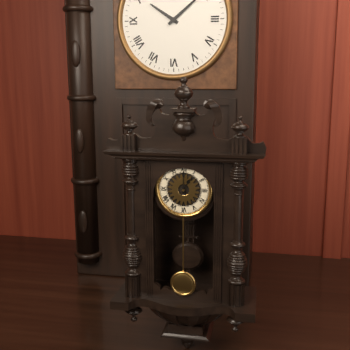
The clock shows **1:00**
